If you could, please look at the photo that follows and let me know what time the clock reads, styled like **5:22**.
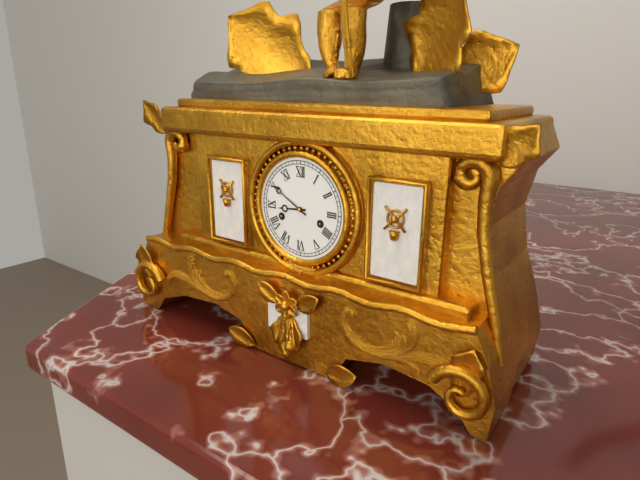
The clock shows **8:50**
